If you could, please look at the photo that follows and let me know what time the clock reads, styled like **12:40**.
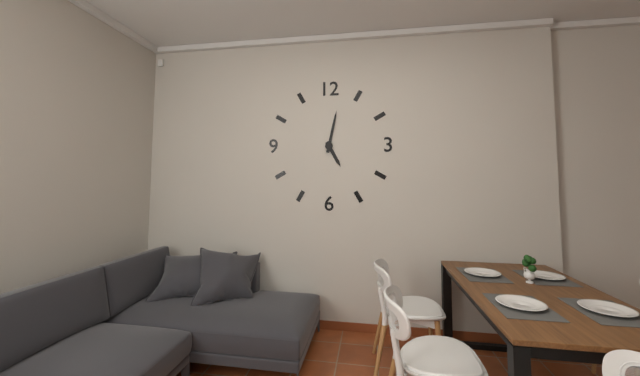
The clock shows **5:02**
